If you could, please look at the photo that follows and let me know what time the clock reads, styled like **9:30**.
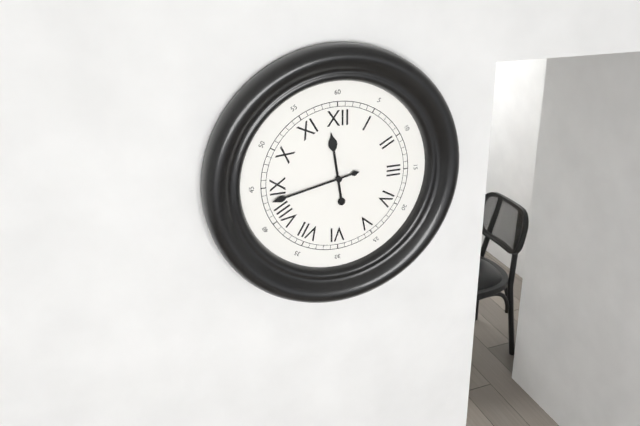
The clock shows **11:43**
